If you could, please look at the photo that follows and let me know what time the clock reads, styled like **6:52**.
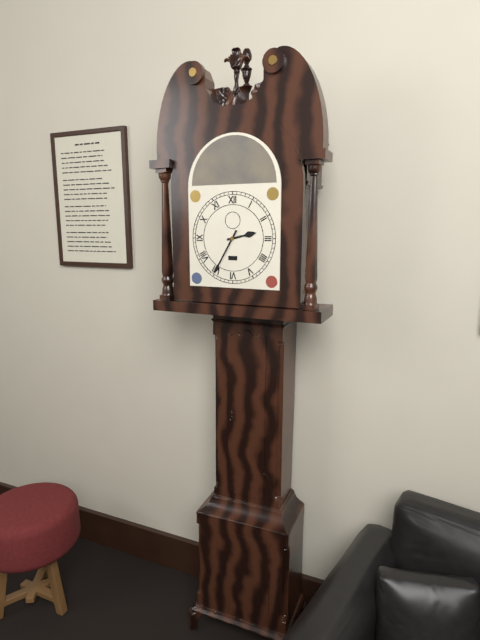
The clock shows **2:35**
